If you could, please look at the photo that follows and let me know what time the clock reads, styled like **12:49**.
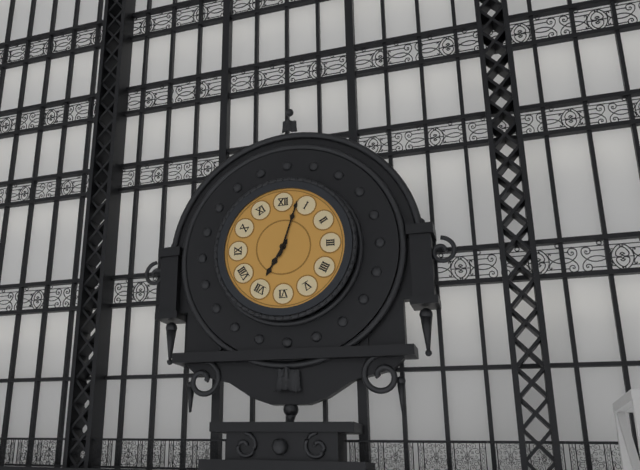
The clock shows **7:03**
